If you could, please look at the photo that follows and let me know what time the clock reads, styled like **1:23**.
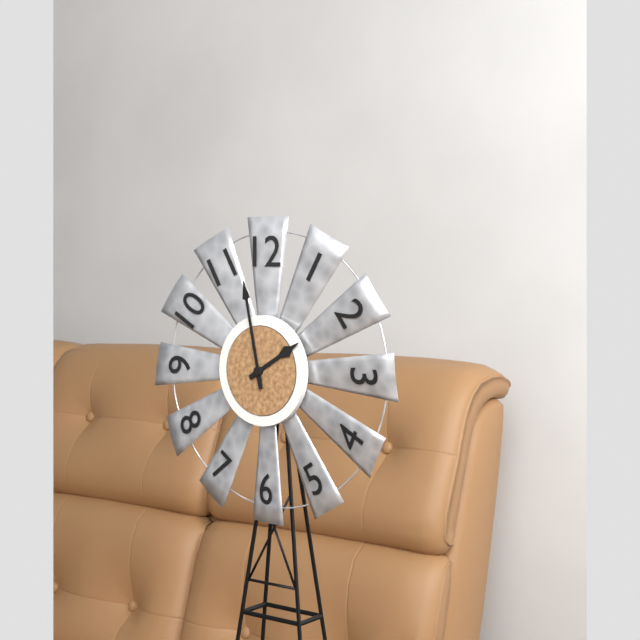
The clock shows **1:58**
